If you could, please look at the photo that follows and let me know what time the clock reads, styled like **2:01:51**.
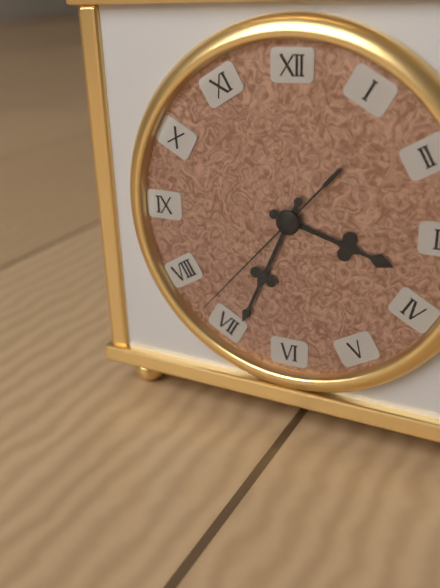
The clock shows **3:34:37**
